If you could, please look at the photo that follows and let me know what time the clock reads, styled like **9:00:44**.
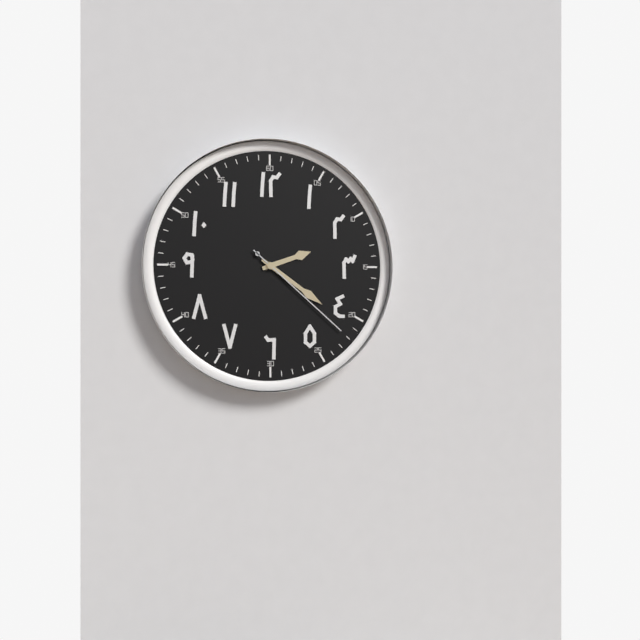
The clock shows **2:21:22**
